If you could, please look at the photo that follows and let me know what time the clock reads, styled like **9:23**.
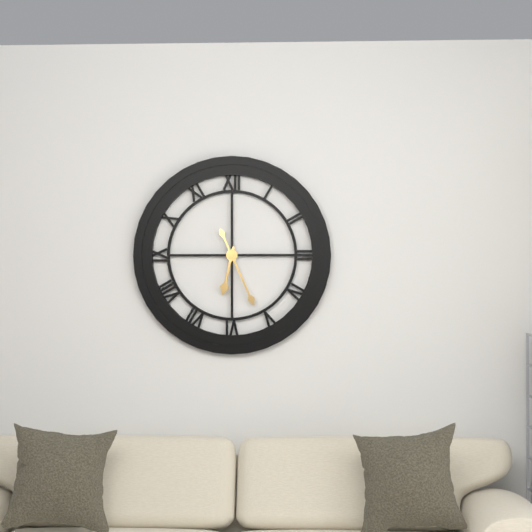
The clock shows **6:26**
